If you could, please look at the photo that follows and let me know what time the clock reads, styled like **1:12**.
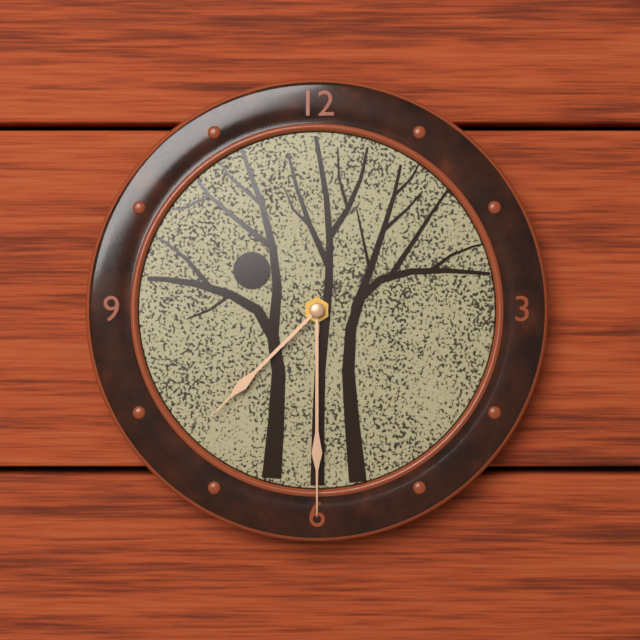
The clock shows **7:30**
